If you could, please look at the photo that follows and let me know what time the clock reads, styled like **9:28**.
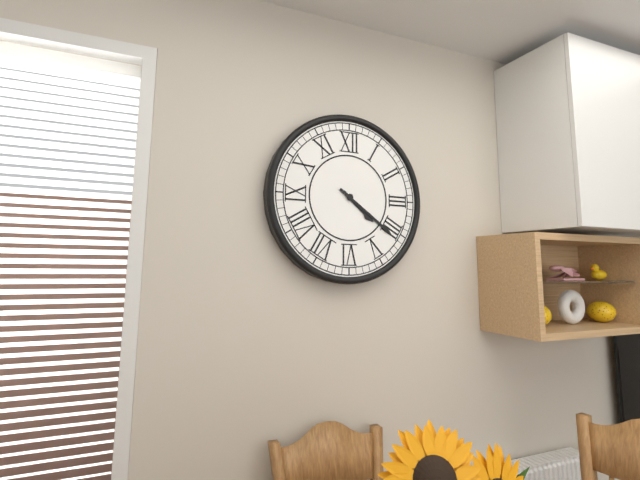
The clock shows **4:21**
